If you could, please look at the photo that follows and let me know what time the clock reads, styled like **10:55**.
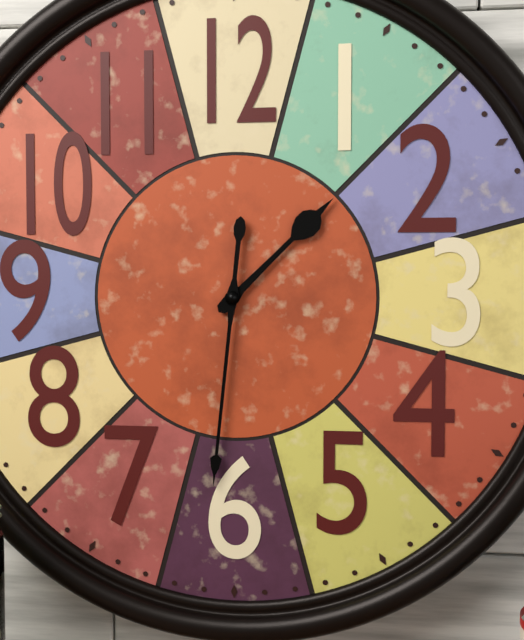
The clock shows **1:31**
